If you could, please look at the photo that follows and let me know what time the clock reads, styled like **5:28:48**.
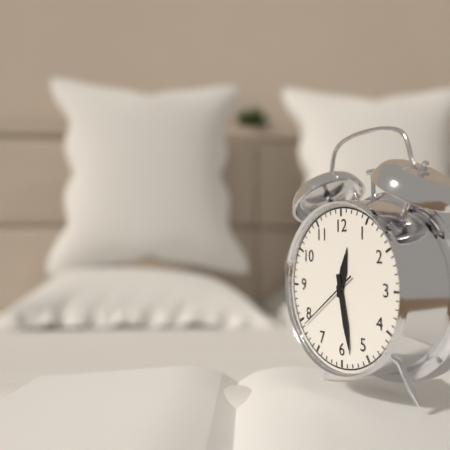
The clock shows **12:28:39**
